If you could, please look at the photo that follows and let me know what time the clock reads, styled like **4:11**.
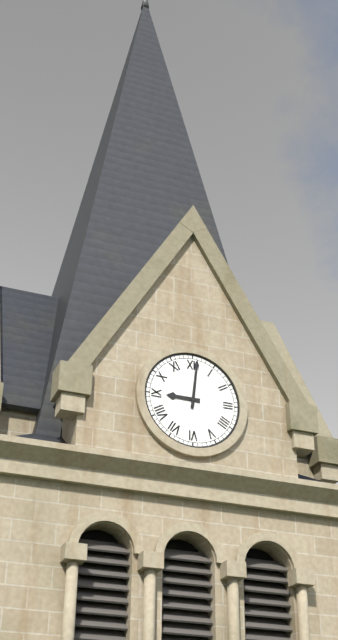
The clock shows **9:01**
